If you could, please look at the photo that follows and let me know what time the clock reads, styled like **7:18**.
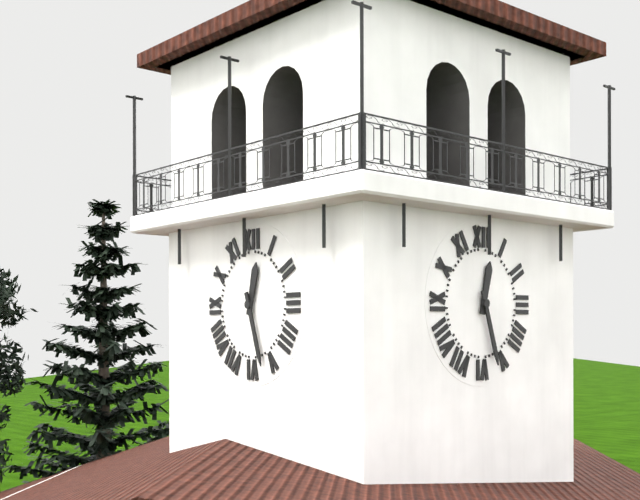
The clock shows **12:27**
